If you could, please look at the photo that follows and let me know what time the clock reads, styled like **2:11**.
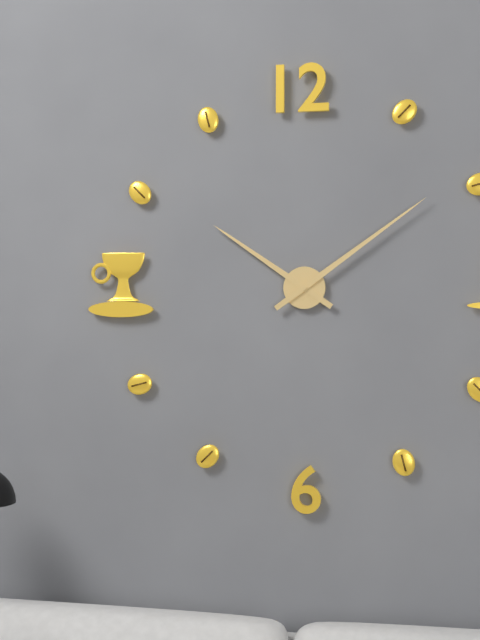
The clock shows **10:09**
